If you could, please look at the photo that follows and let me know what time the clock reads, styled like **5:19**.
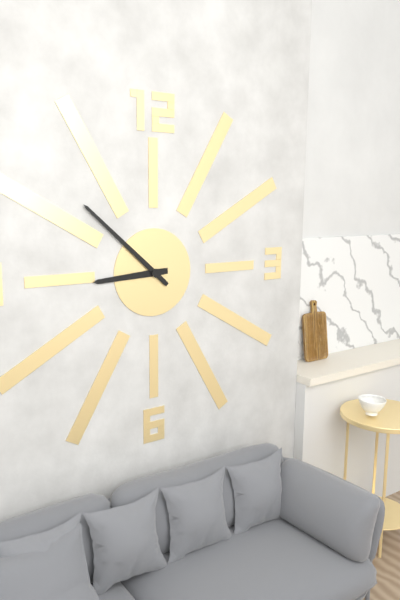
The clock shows **8:52**
